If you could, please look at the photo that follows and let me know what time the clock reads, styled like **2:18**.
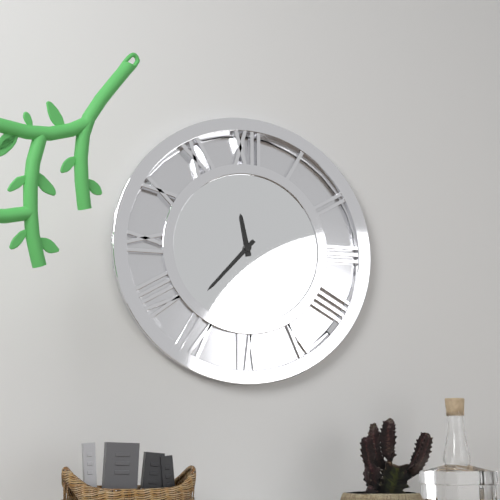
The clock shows **11:37**
